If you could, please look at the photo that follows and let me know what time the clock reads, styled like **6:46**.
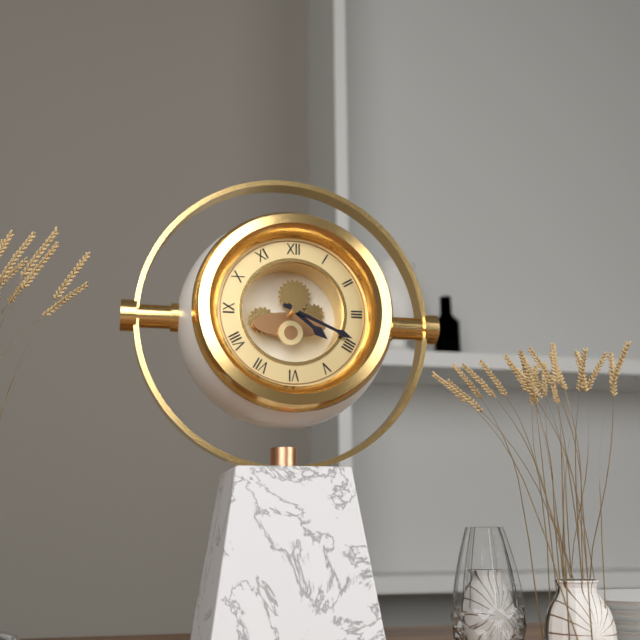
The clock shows **4:19**
